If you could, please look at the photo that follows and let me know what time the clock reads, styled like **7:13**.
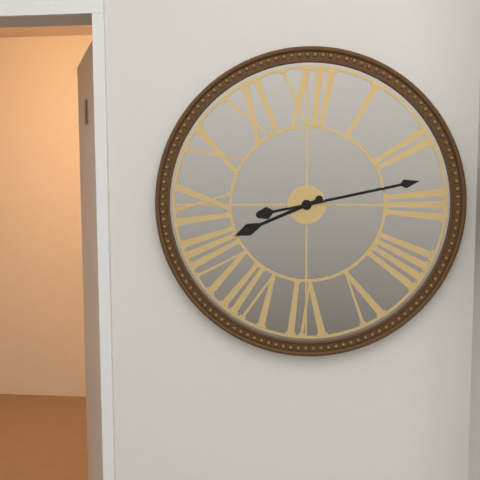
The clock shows **8:13**
